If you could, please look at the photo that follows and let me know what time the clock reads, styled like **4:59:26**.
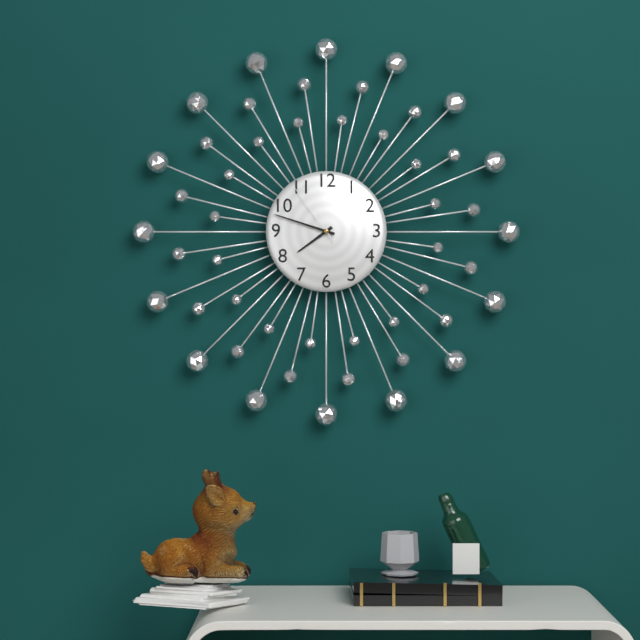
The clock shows **7:48:54**
